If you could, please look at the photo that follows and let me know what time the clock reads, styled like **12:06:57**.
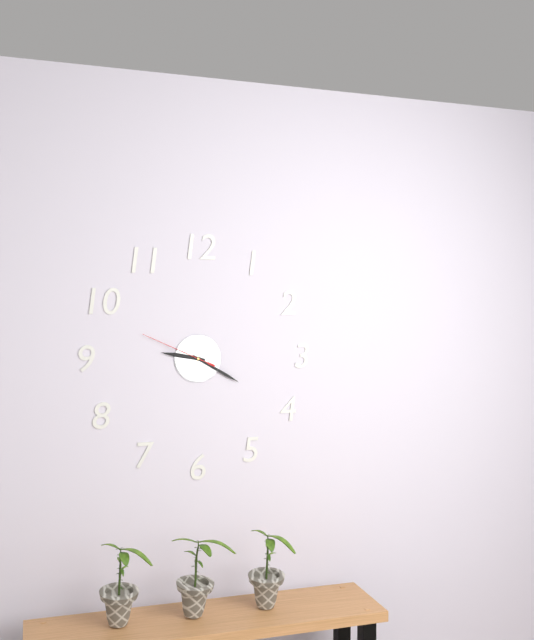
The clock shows **9:20:49**
